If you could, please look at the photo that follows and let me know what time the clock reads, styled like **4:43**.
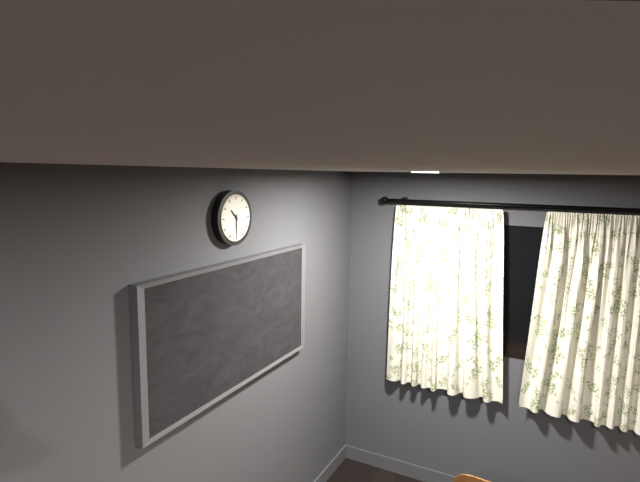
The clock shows **10:30**
